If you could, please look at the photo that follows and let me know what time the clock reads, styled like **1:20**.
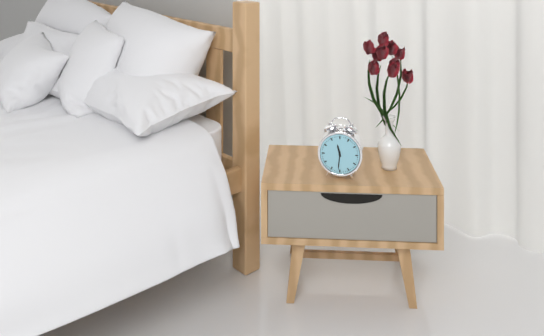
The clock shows **11:31**
